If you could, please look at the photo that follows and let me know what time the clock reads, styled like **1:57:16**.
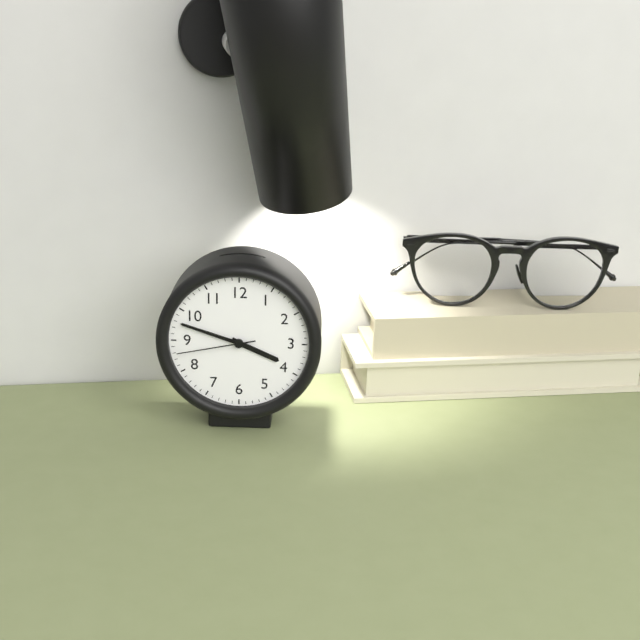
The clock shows **3:48:43**
